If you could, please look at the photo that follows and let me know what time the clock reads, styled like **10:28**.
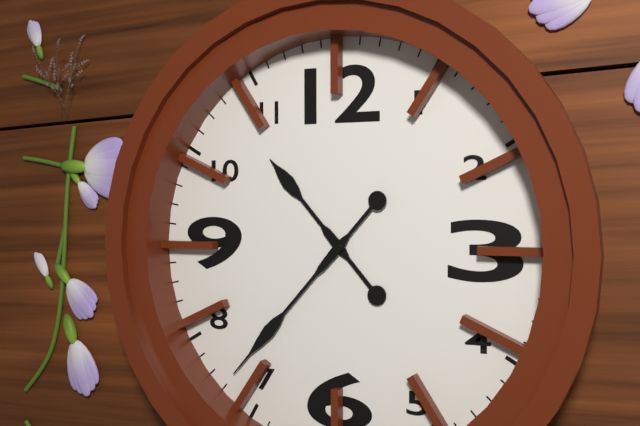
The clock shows **10:37**
